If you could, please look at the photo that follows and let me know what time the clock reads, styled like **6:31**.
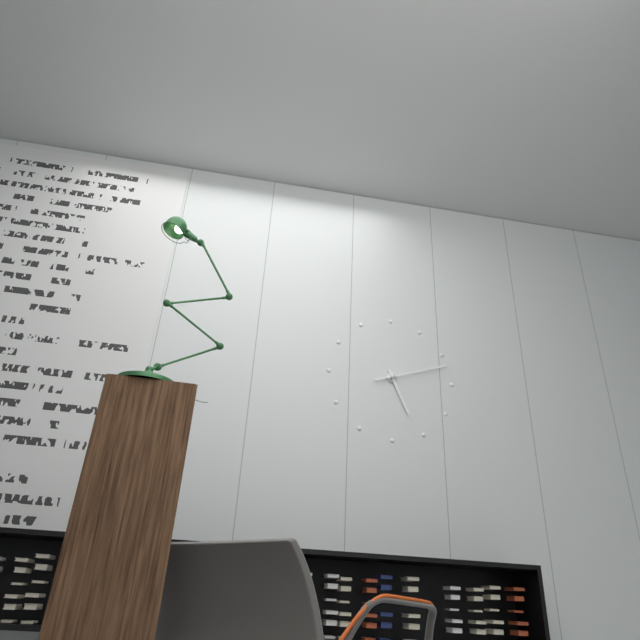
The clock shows **5:12**
